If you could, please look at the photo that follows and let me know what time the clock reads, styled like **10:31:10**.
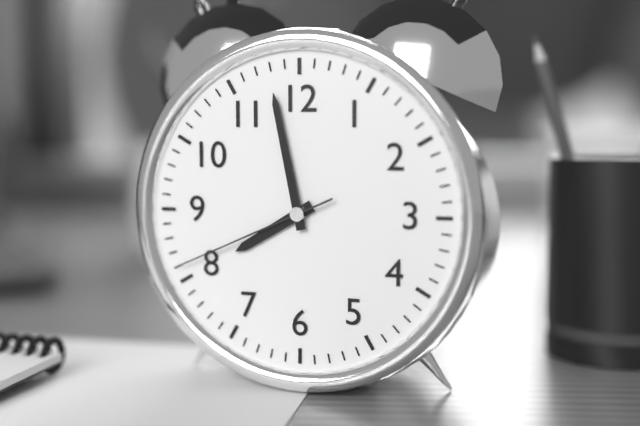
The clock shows **7:58:41**
